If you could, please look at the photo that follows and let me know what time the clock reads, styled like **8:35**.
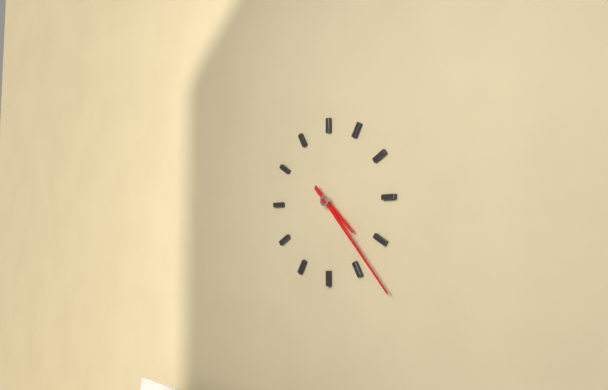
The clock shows **4:23**
